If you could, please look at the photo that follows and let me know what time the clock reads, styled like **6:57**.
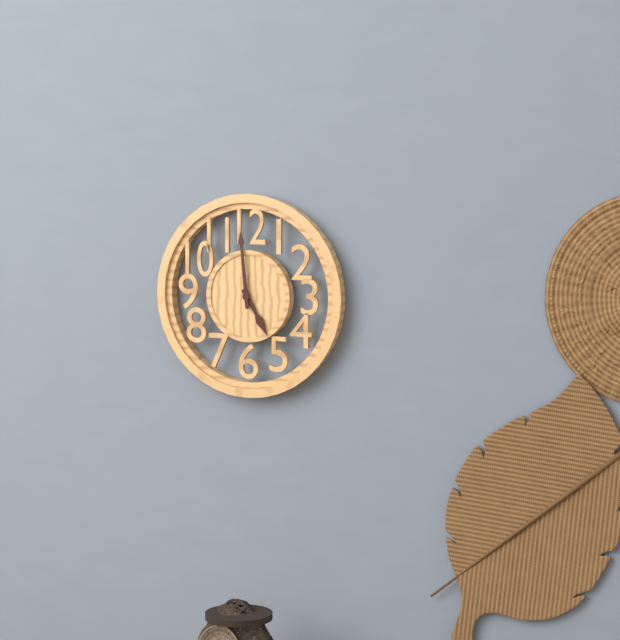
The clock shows **4:59**
